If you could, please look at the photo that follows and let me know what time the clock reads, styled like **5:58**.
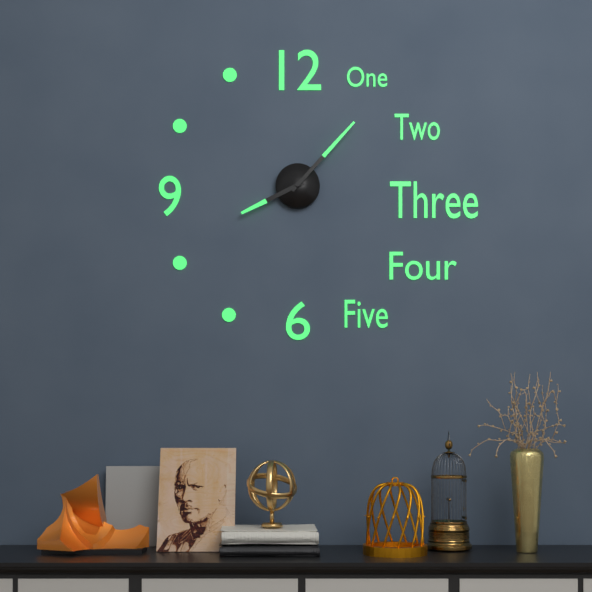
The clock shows **8:07**
